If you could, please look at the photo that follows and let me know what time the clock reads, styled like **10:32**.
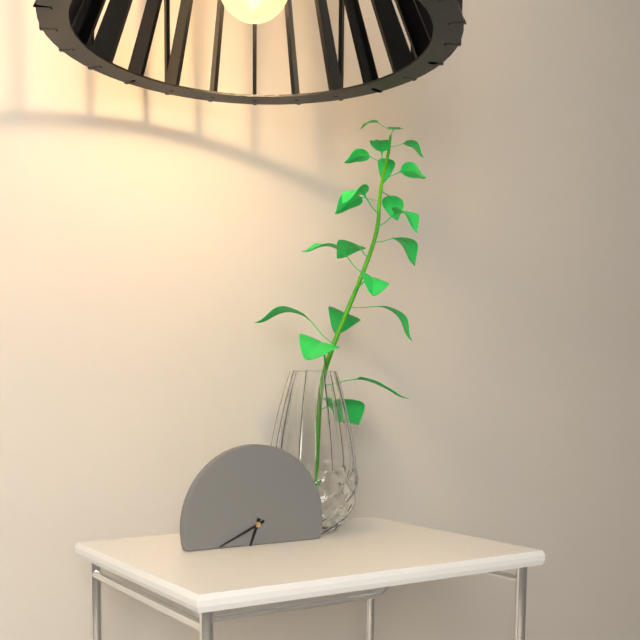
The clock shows **6:41**
